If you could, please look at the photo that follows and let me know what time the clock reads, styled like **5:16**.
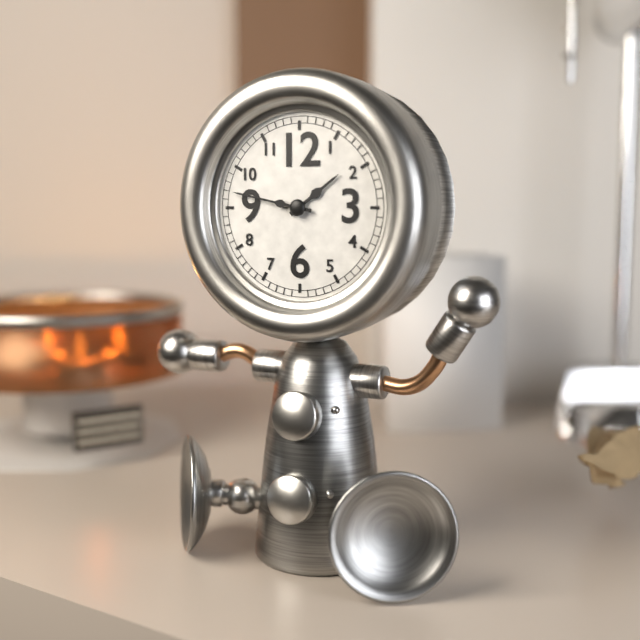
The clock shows **1:47**
